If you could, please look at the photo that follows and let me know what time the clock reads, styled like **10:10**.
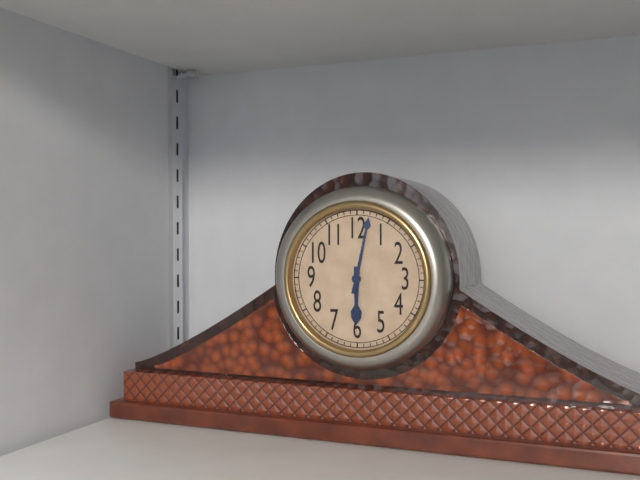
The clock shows **6:02**
